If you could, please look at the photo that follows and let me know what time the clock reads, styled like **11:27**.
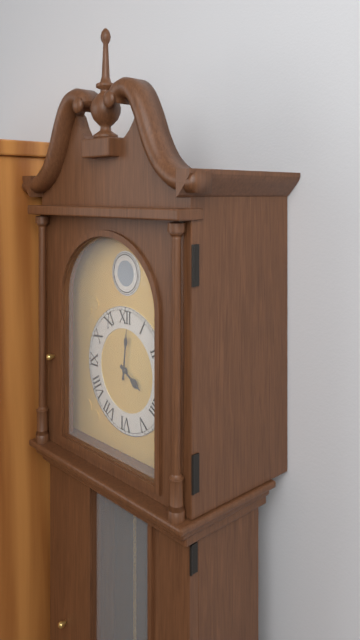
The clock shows **4:01**
